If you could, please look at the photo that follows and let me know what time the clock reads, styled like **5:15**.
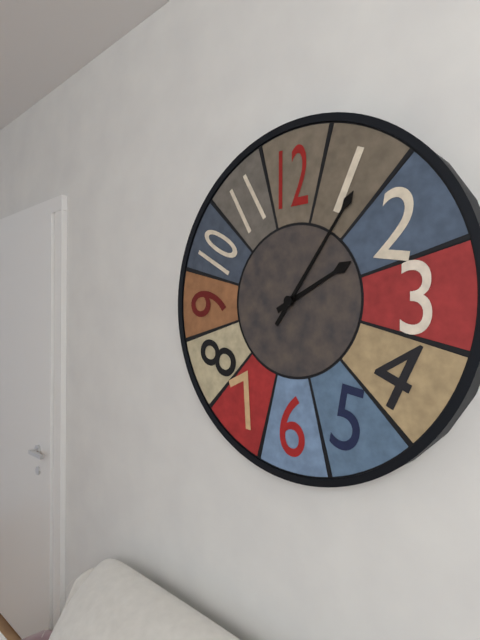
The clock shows **2:06**
